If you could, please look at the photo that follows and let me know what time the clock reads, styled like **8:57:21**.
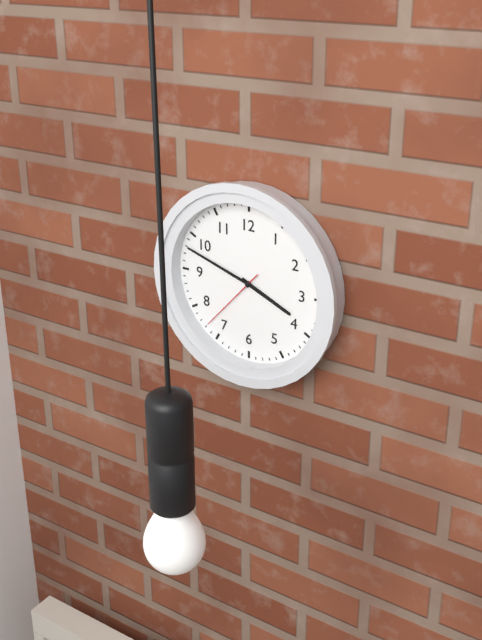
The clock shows **3:48:37**
